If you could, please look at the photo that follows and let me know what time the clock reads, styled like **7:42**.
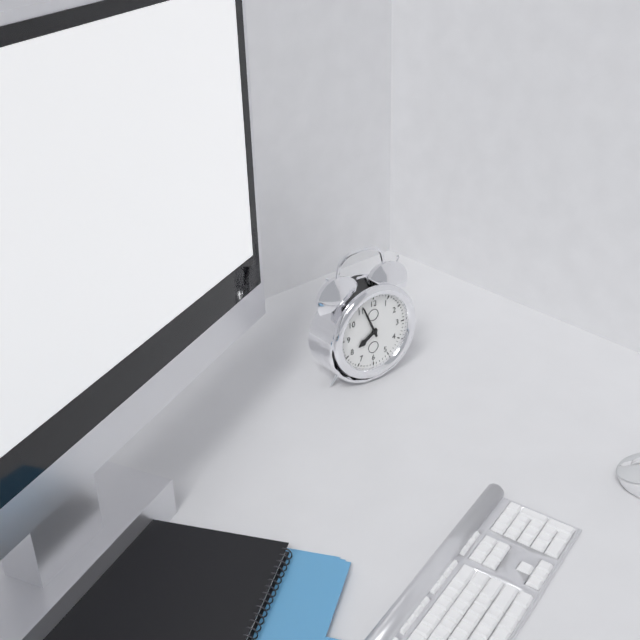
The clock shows **7:56**
